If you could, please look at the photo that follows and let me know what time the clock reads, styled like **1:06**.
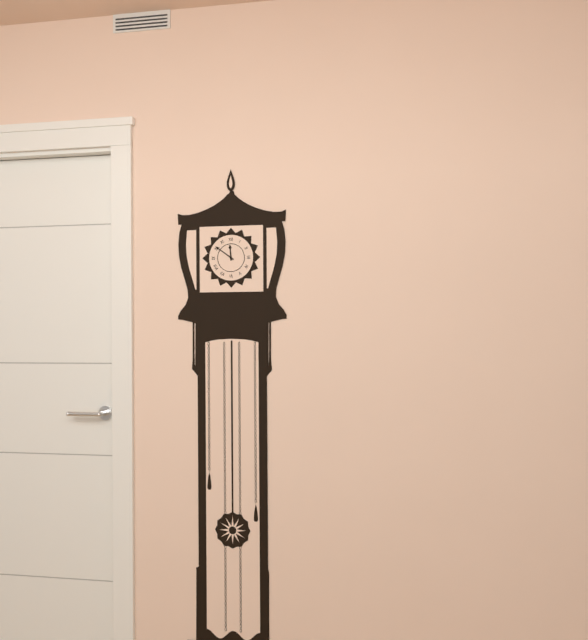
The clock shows **11:51**
